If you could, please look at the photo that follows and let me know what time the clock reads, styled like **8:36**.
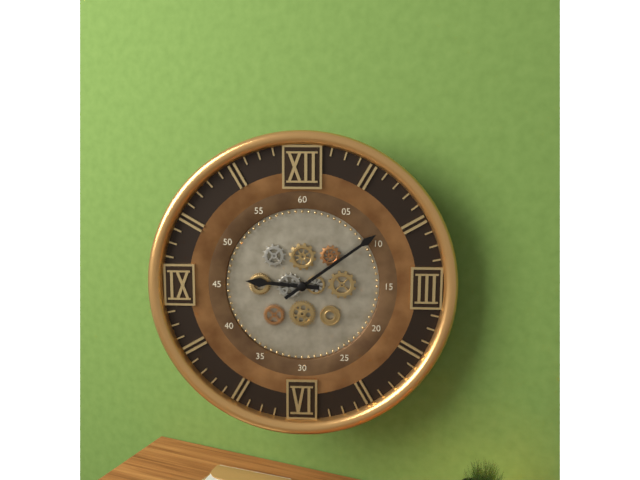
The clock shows **9:09**
